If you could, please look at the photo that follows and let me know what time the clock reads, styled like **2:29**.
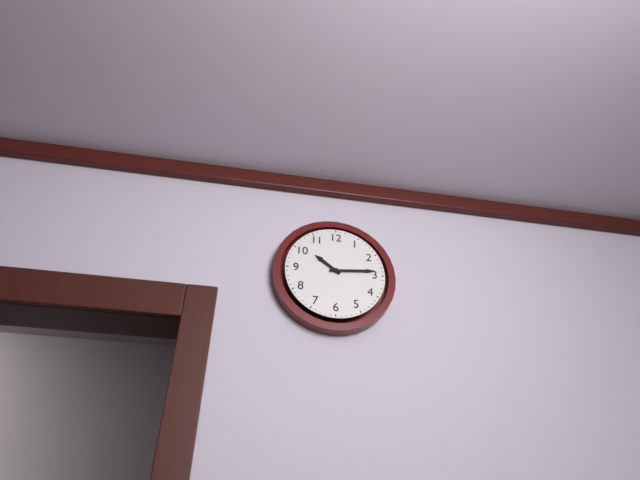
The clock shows **10:14**
